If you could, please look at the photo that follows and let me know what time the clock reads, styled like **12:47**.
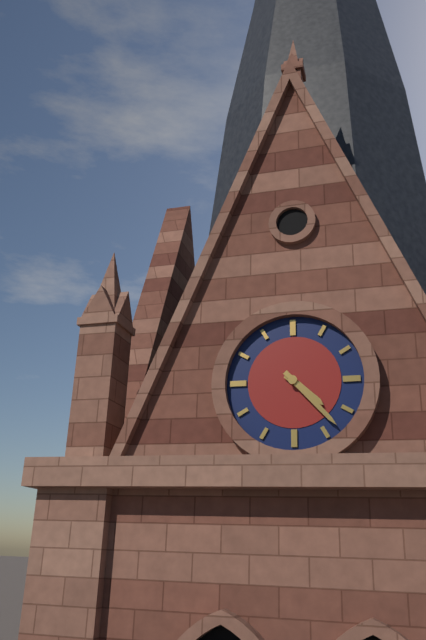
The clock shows **4:23**
